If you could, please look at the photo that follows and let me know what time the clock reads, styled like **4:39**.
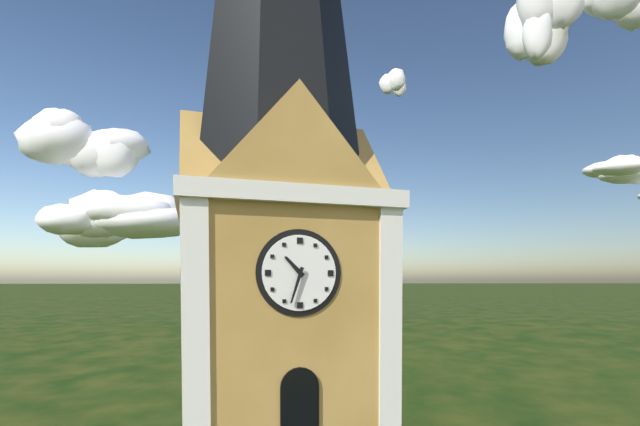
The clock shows **10:33**
